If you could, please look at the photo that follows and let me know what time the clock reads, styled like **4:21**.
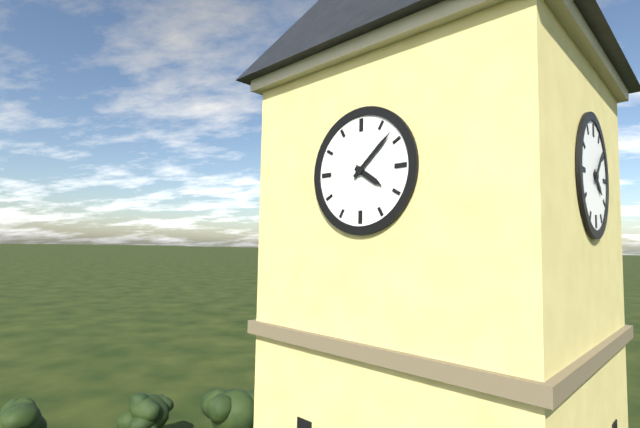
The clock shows **4:08**
